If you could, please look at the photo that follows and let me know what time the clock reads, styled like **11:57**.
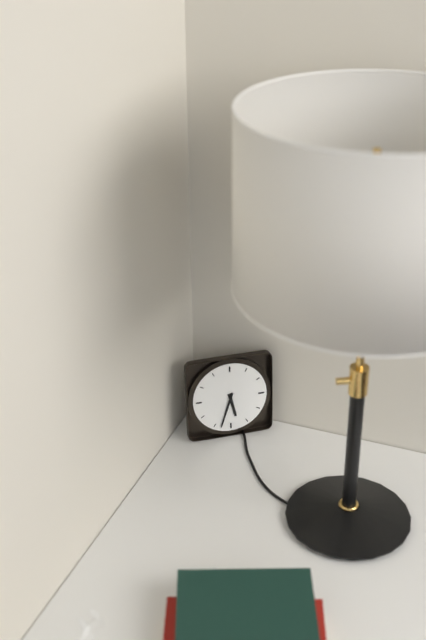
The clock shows **5:33**
